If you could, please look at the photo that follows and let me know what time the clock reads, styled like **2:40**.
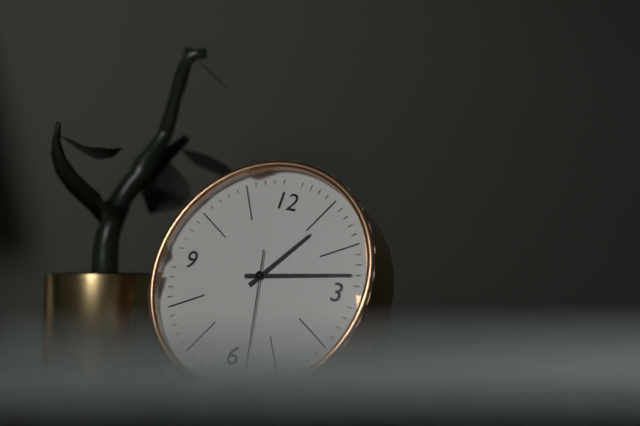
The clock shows **1:13**
